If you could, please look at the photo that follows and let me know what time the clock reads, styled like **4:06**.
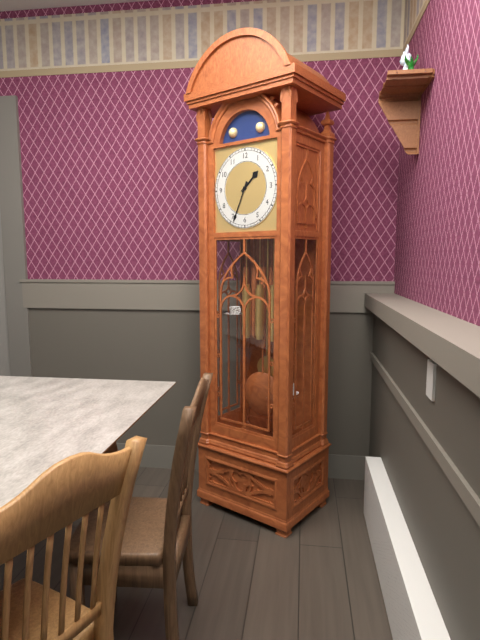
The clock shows **1:34**
